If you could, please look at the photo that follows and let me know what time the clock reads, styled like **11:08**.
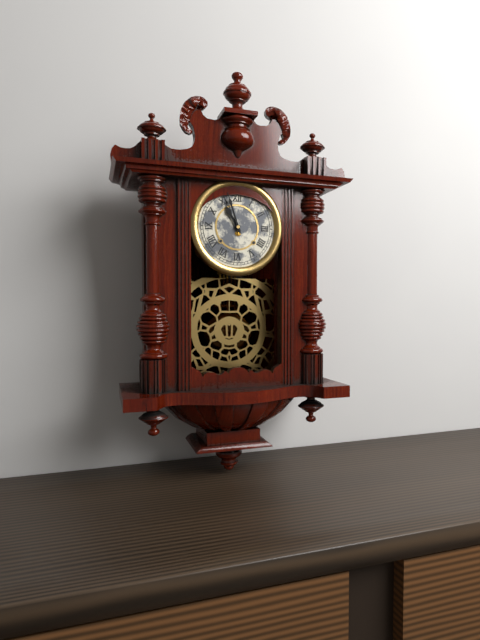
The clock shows **10:57**
